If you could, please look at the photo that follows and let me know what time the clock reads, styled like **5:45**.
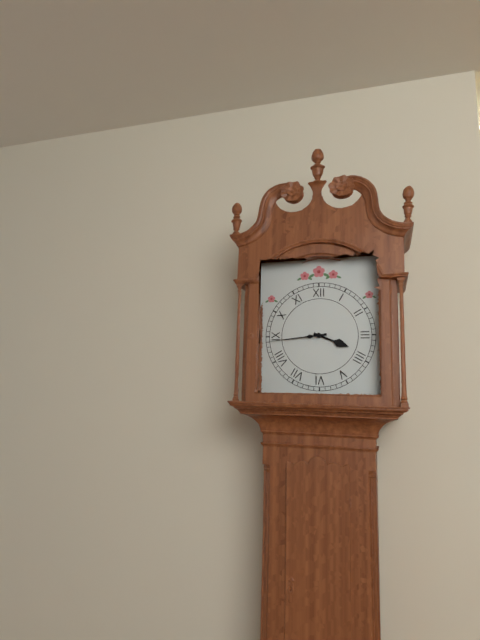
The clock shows **3:44**
